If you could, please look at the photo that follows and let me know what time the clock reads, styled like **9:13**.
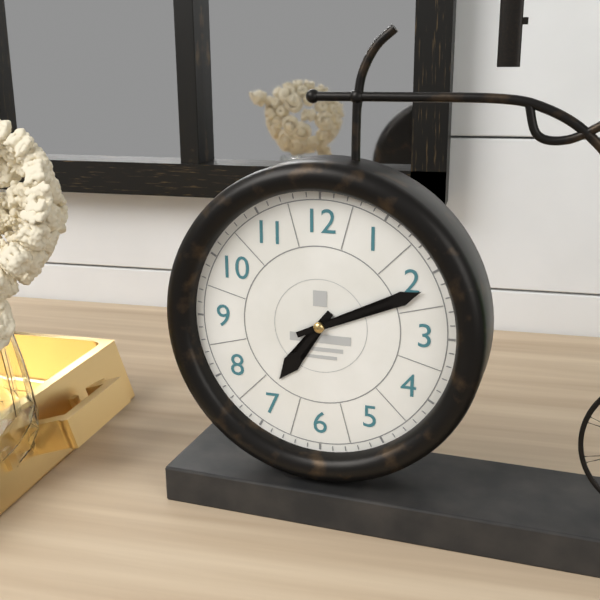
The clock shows **7:11**
